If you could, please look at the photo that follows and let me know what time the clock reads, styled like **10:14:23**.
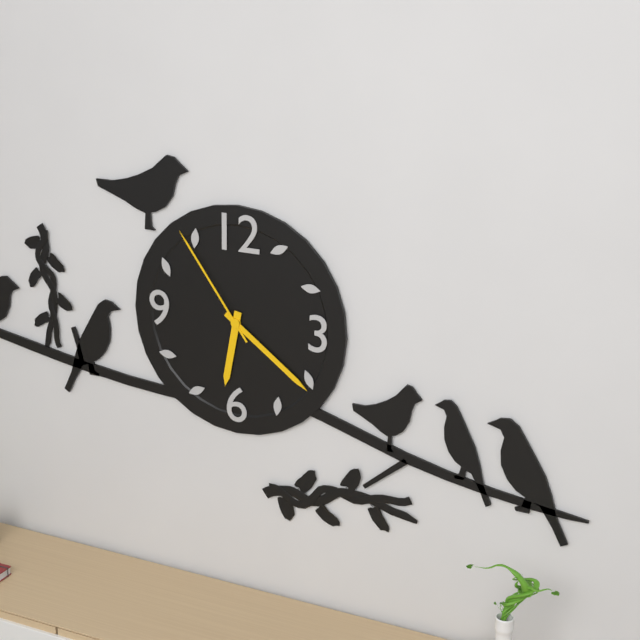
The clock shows **6:21:54**
